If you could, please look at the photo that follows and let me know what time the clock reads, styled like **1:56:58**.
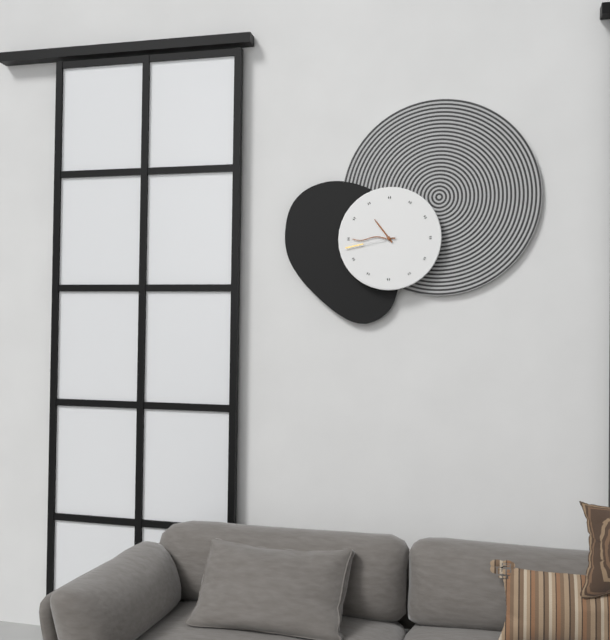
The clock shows **10:45:43**
